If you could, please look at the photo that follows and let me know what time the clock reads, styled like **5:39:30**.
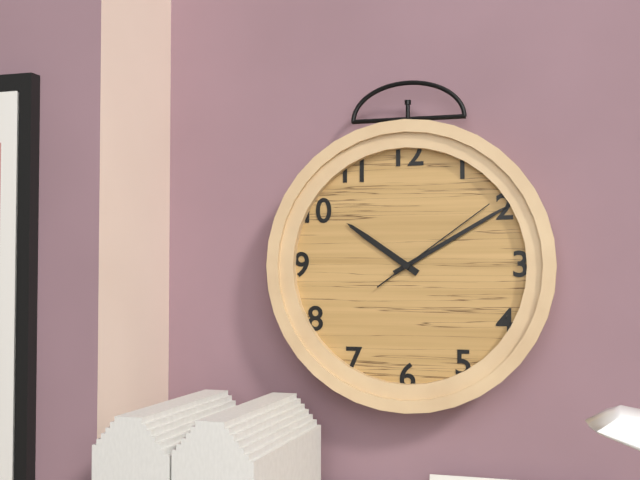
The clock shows **10:10:09**
